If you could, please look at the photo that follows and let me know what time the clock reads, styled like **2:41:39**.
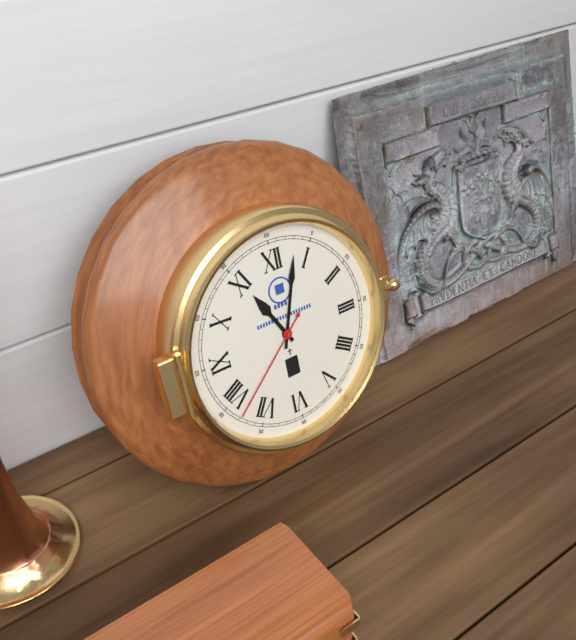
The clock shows **11:03:38**
